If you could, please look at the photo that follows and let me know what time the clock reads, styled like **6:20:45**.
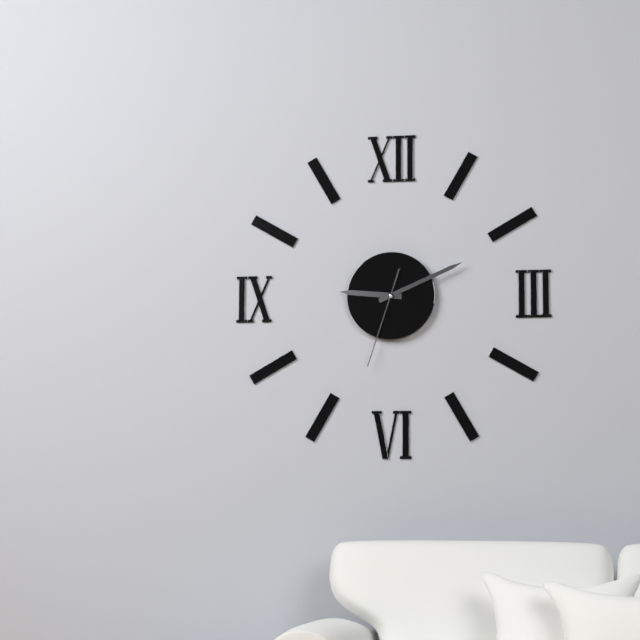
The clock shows **9:11:33**
